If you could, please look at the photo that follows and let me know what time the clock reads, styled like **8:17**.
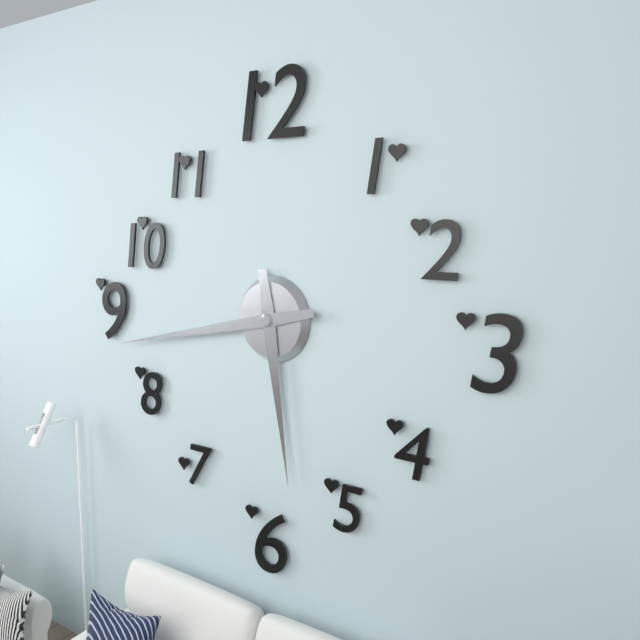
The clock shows **5:43**
